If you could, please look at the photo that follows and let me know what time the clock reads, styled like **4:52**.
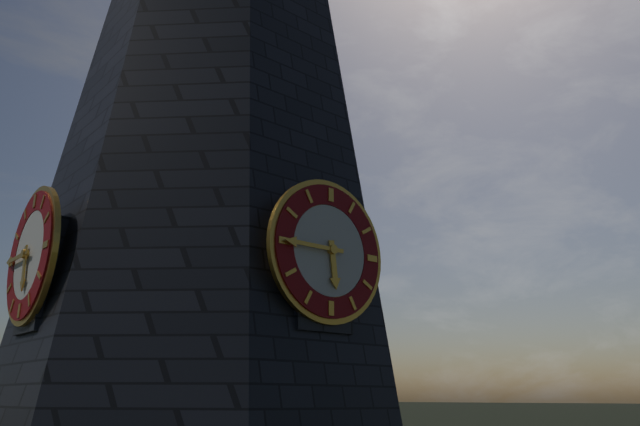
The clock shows **5:45**
